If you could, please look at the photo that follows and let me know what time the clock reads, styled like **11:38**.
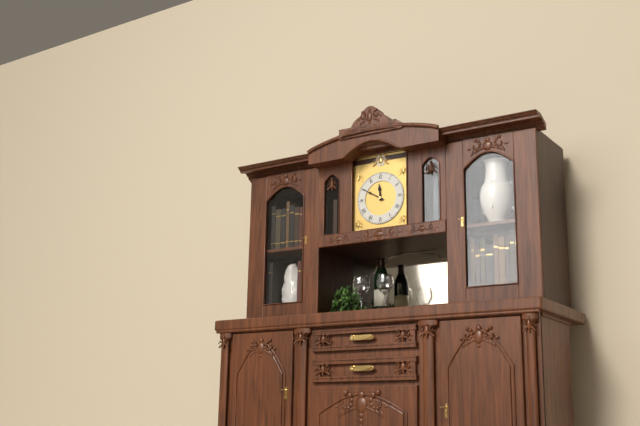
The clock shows **11:50**
